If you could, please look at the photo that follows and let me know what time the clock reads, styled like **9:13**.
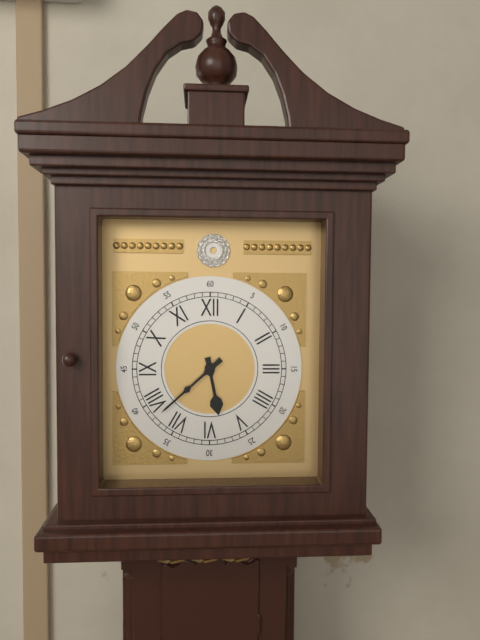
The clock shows **5:38**
